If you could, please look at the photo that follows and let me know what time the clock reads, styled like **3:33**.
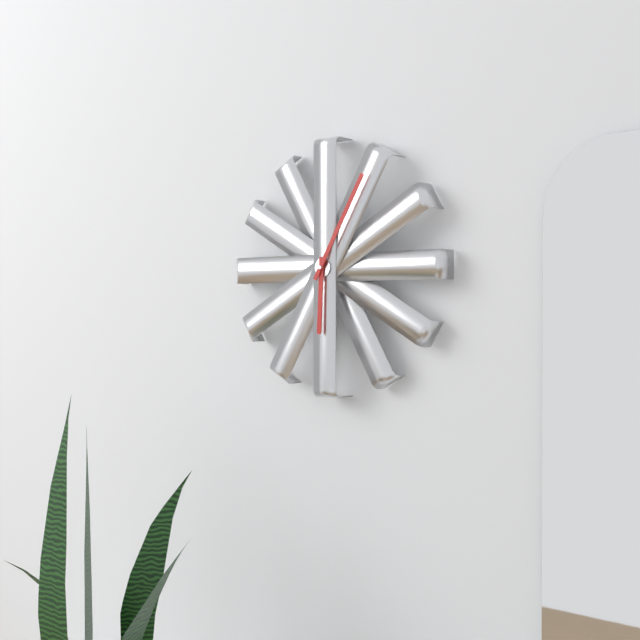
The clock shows **6:05**
